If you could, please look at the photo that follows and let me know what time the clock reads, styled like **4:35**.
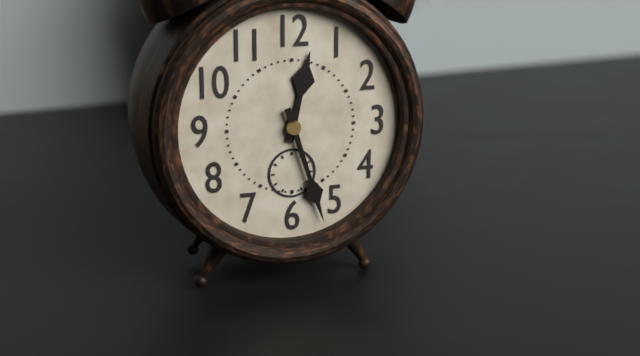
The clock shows **12:27**
